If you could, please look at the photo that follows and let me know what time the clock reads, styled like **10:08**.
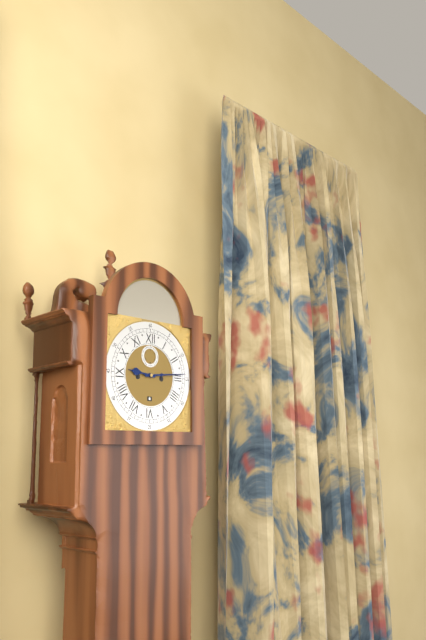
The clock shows **9:14**
